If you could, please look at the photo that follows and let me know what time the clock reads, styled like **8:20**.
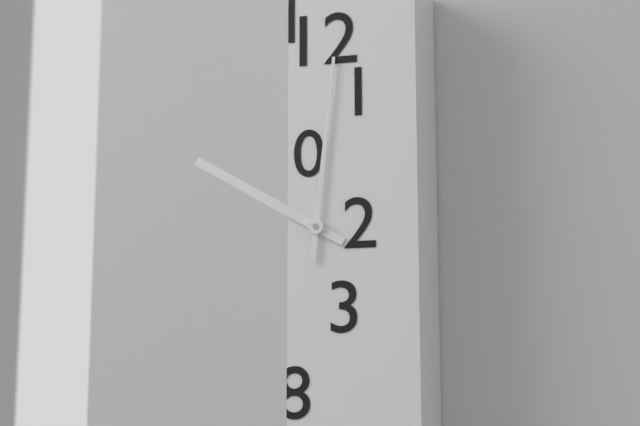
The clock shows **10:01**
